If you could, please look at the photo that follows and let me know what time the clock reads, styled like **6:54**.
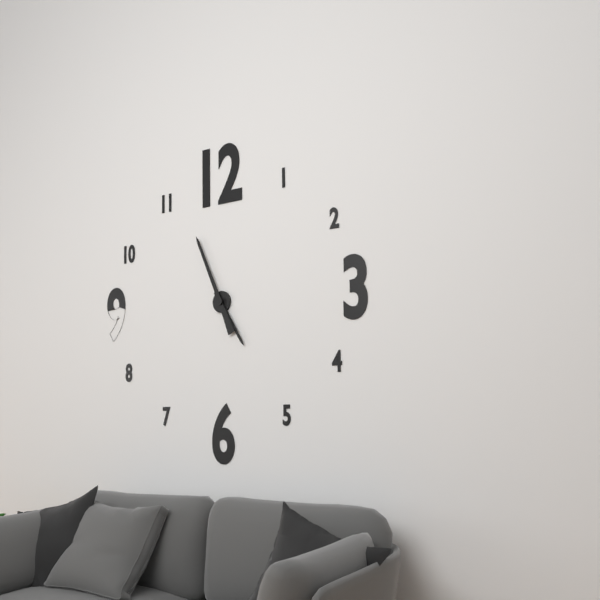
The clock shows **4:56**
